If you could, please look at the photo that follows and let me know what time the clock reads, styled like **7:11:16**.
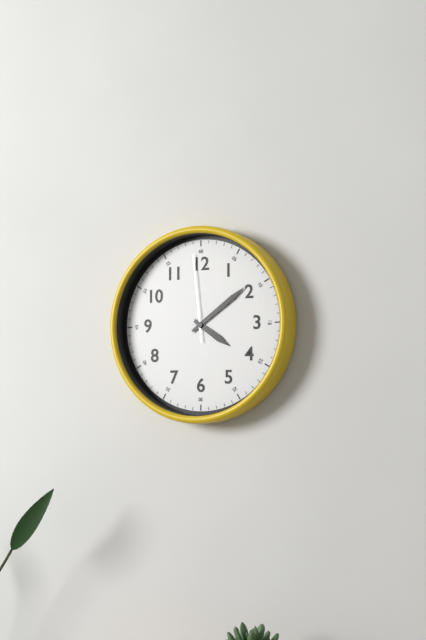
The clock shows **4:09:59**
